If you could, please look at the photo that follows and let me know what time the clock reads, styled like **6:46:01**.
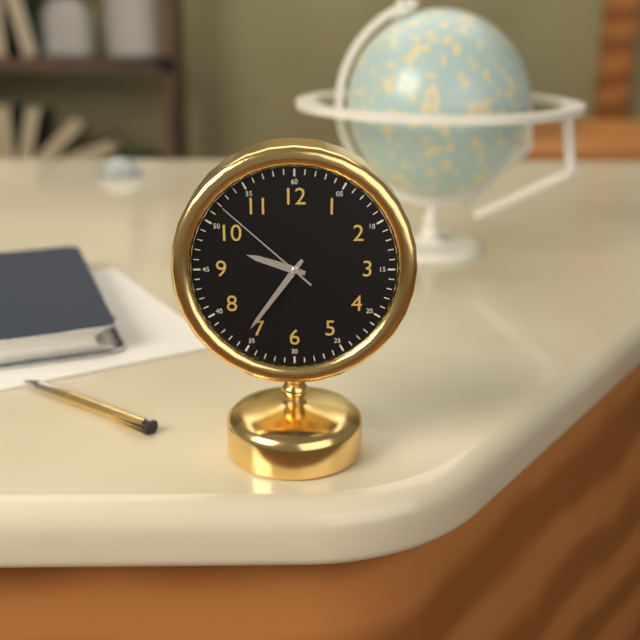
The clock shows **9:36:52**
